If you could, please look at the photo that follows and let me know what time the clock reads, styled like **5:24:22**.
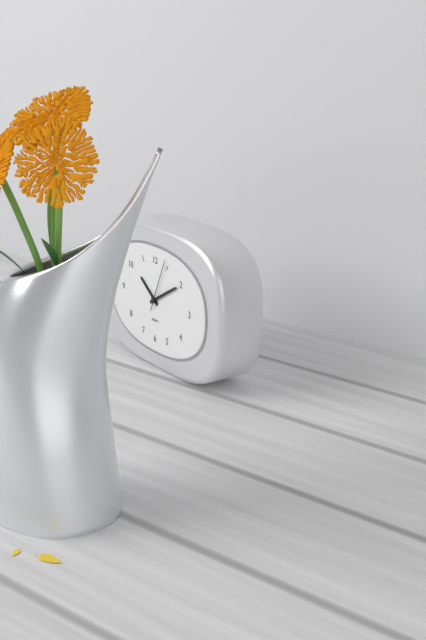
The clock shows **10:10:04**
